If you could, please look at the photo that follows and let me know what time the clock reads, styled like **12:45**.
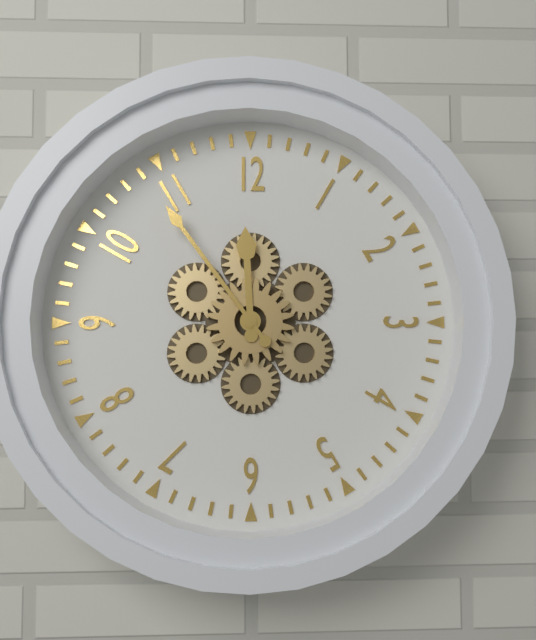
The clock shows **11:54**
